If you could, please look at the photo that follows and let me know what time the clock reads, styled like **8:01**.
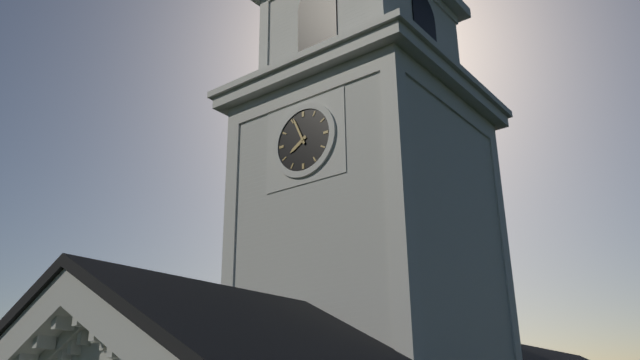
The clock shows **7:56**
